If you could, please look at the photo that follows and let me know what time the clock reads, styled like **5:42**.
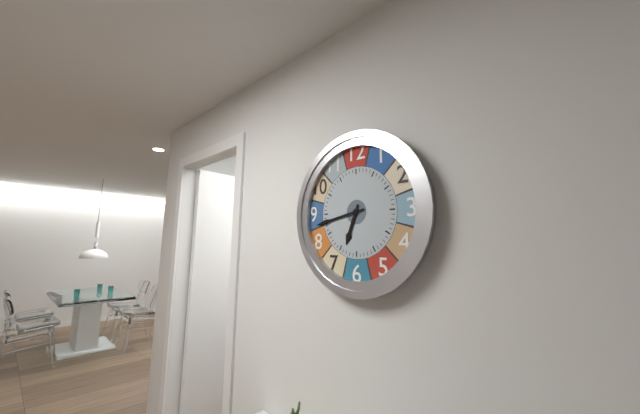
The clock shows **6:43**
